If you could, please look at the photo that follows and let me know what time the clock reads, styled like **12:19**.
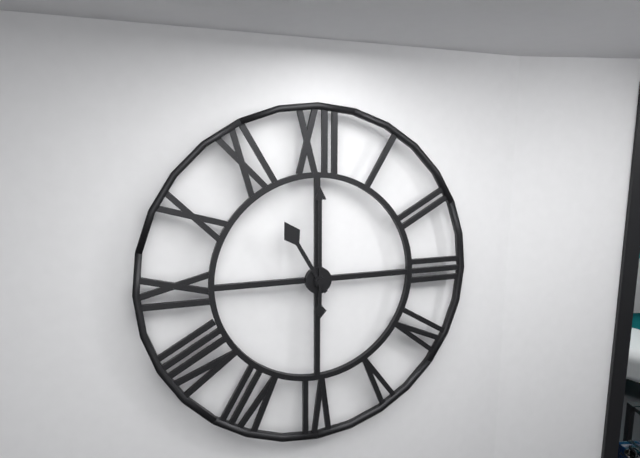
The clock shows **11:00**
